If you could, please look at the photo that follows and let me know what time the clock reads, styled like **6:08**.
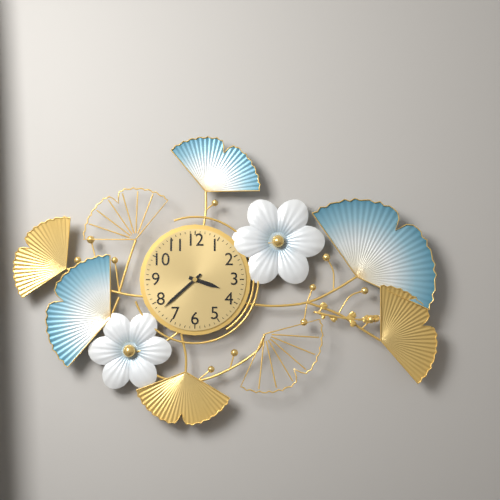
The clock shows **3:38**
